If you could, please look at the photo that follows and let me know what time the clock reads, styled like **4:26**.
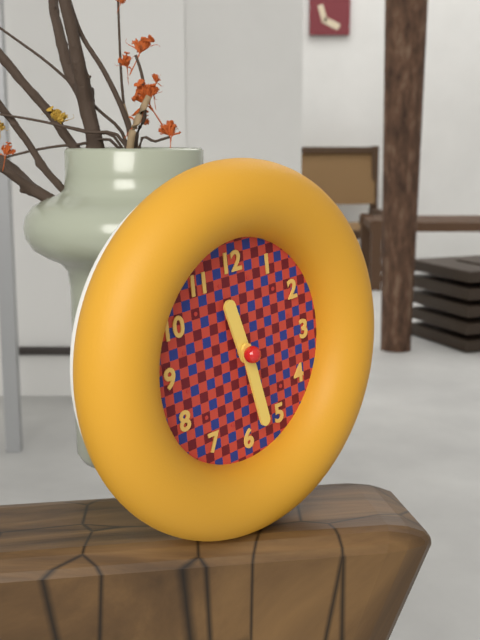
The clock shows **11:28**
